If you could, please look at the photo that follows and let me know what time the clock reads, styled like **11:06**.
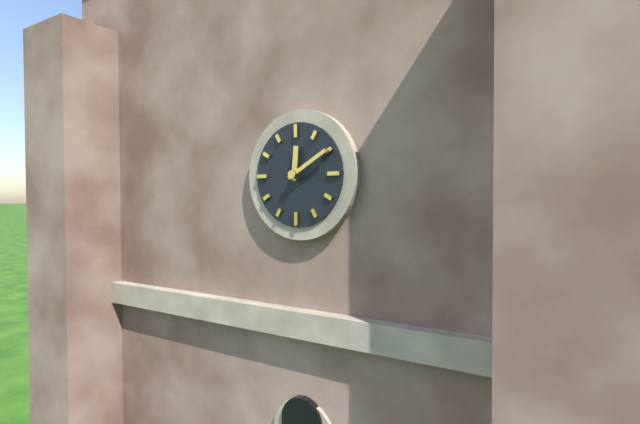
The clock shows **12:10**
